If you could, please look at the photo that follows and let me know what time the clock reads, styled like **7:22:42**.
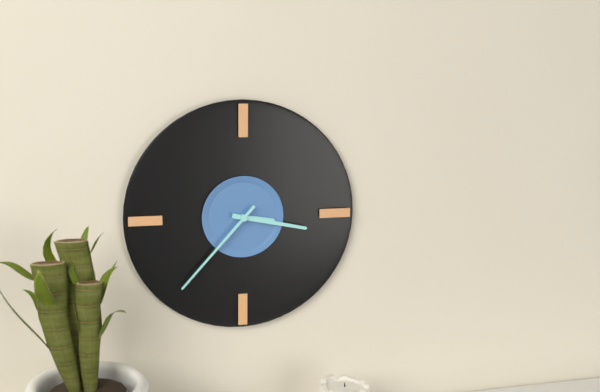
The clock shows **3:17:37**
